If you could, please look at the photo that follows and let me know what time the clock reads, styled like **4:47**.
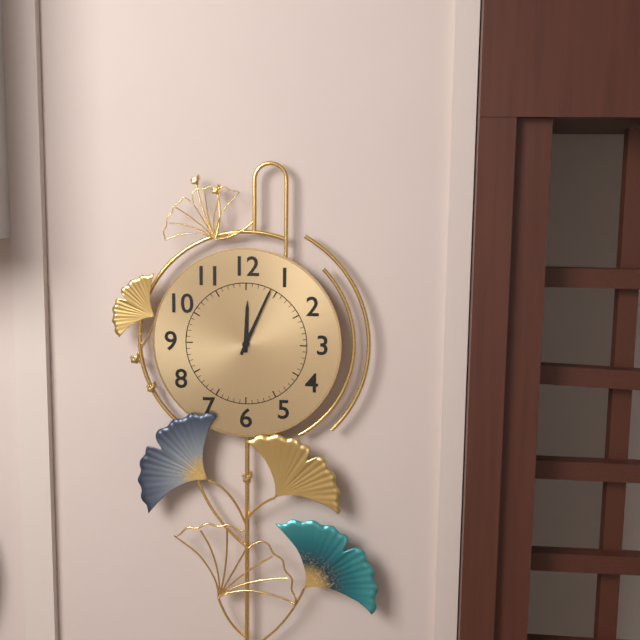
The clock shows **12:04**
